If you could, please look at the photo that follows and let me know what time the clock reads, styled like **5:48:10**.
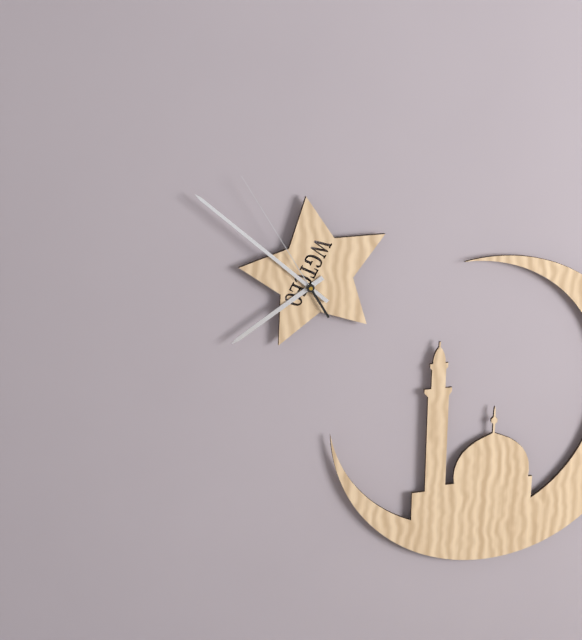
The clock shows **7:52:55**
